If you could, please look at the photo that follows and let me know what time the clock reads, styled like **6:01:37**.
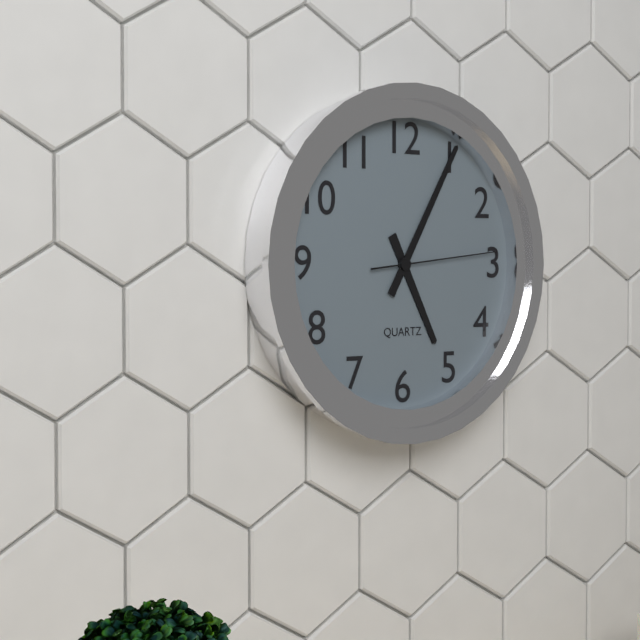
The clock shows **5:05:14**
